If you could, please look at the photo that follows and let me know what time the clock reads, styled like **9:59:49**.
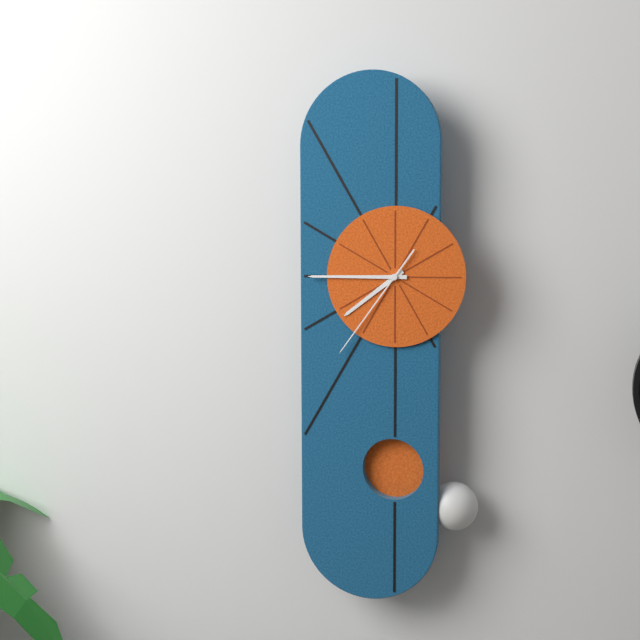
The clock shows **7:45:36**
